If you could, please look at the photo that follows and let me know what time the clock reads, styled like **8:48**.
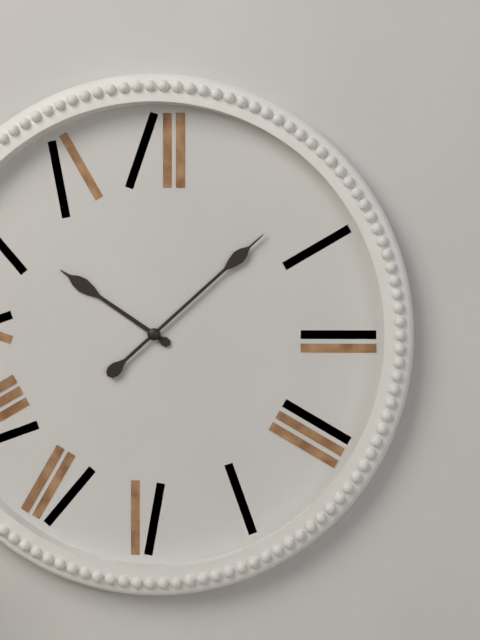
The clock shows **10:08**
